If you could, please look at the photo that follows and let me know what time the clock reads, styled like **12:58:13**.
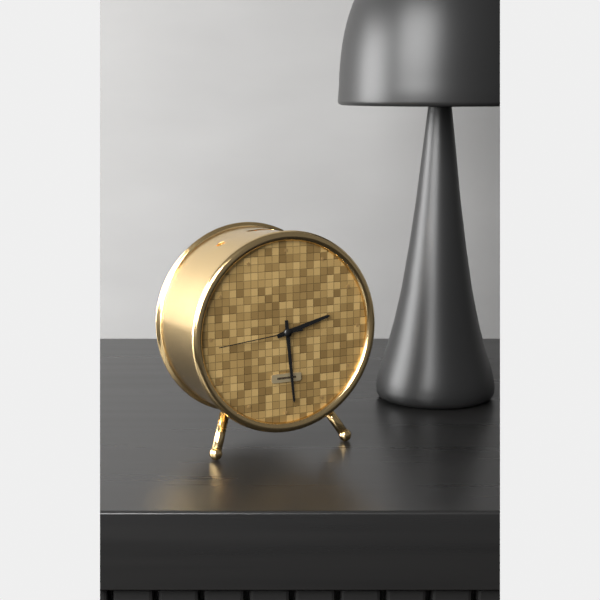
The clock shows **2:29:44**
